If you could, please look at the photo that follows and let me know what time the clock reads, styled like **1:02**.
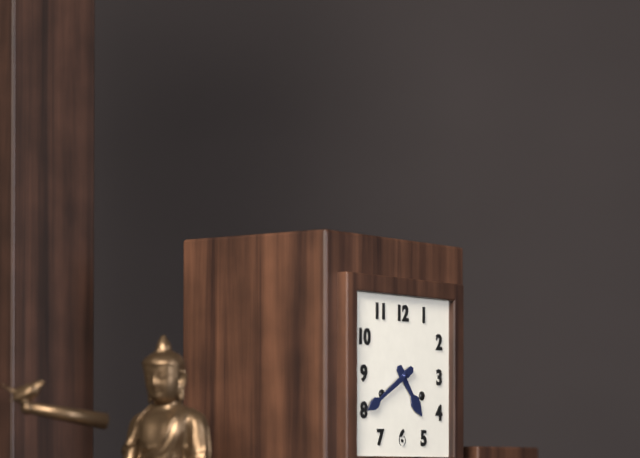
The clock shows **4:40**
